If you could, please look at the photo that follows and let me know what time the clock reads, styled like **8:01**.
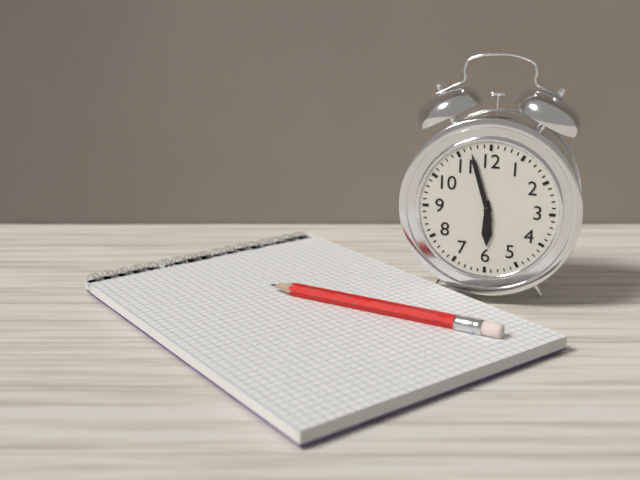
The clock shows **5:57**
